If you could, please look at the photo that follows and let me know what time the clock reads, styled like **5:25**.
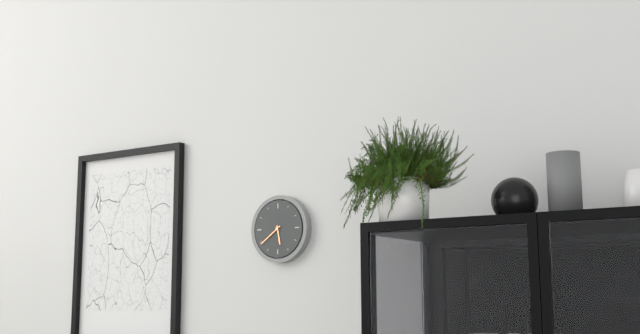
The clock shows **5:39**
